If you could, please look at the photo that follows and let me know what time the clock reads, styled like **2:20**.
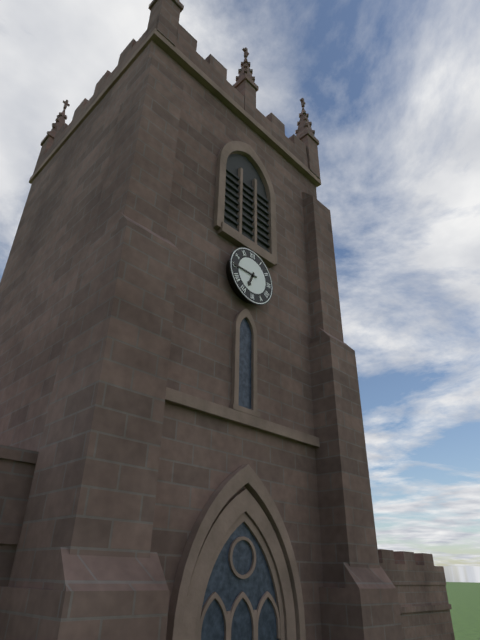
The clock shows **6:45**
